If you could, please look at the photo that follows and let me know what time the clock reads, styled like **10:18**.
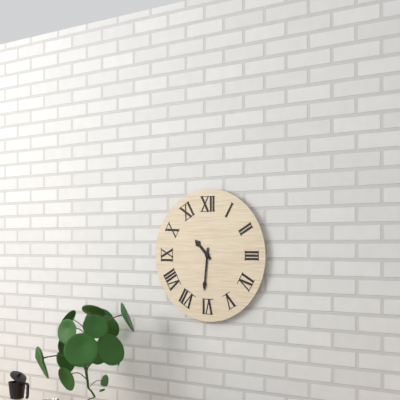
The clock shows **10:31**
